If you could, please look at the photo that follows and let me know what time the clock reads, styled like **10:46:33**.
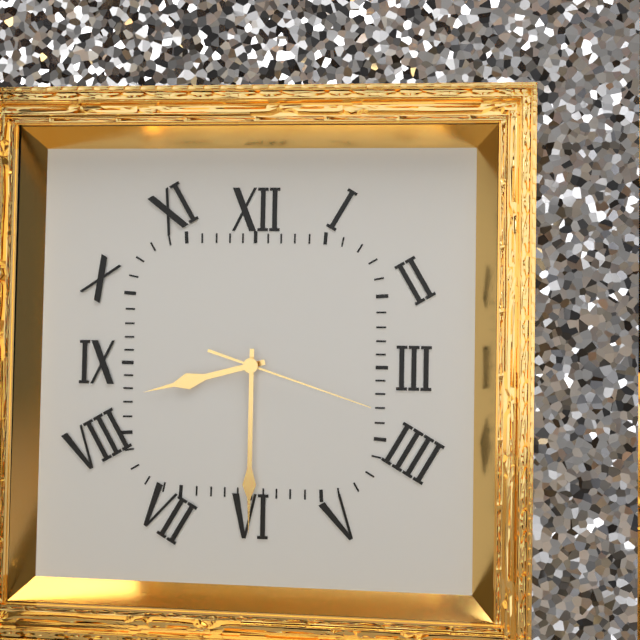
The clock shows **8:30:18**
